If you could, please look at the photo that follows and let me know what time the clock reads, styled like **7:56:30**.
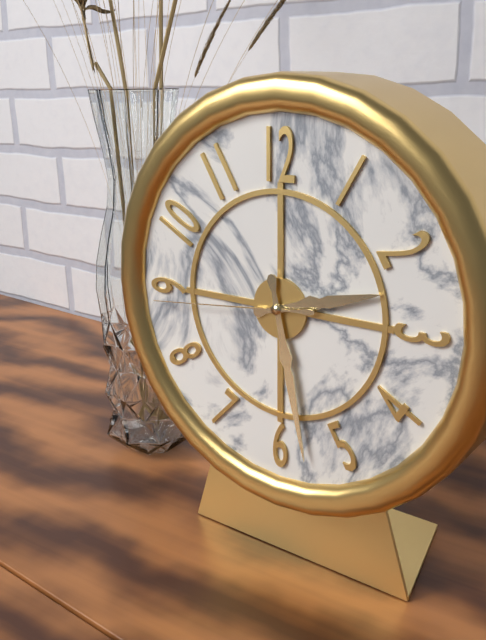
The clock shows **2:28:44**
